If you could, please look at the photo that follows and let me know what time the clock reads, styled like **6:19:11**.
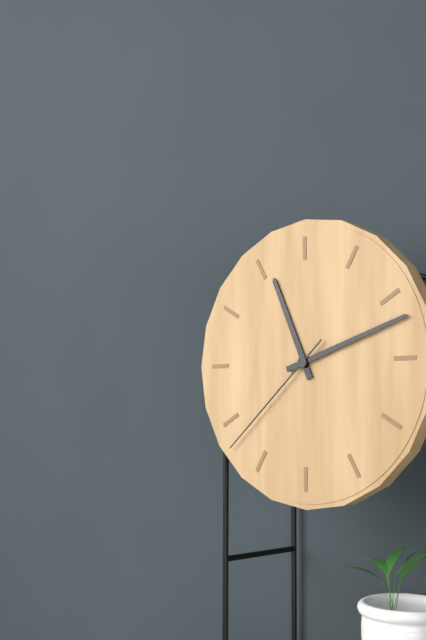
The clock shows **11:12:38**
